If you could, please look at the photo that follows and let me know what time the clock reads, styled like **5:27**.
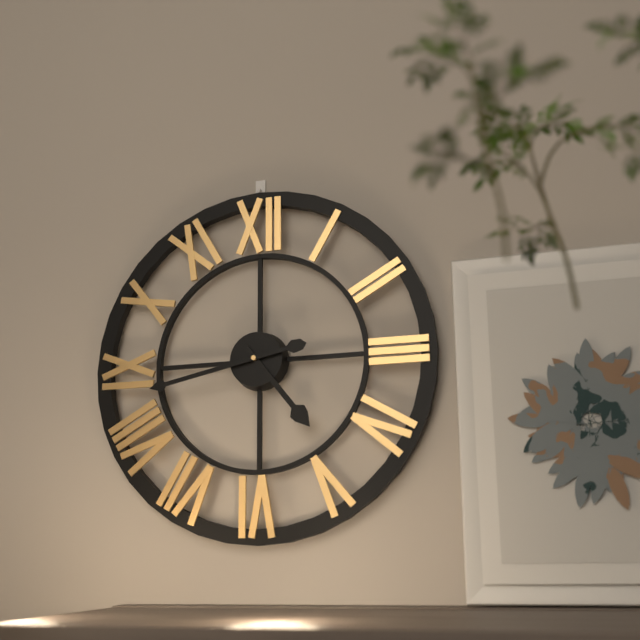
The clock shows **4:43**
